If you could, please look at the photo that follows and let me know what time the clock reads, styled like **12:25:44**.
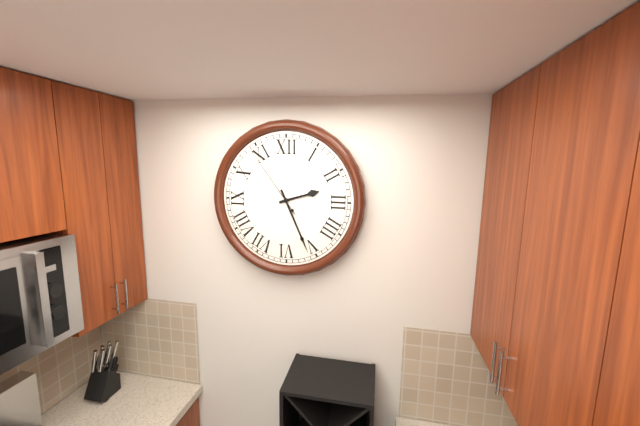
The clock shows **2:26:54**
